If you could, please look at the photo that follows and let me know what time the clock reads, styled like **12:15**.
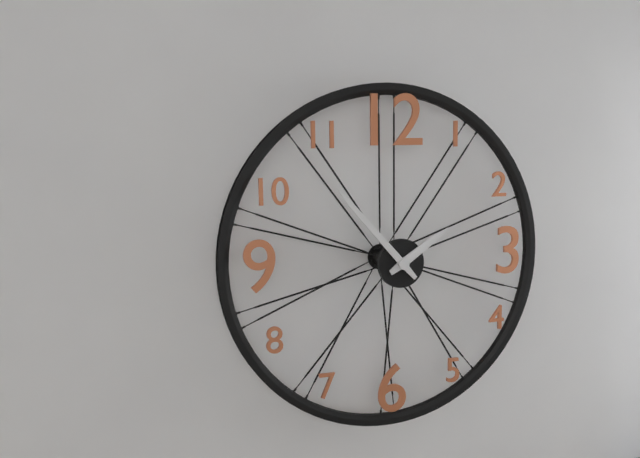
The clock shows **1:53**
